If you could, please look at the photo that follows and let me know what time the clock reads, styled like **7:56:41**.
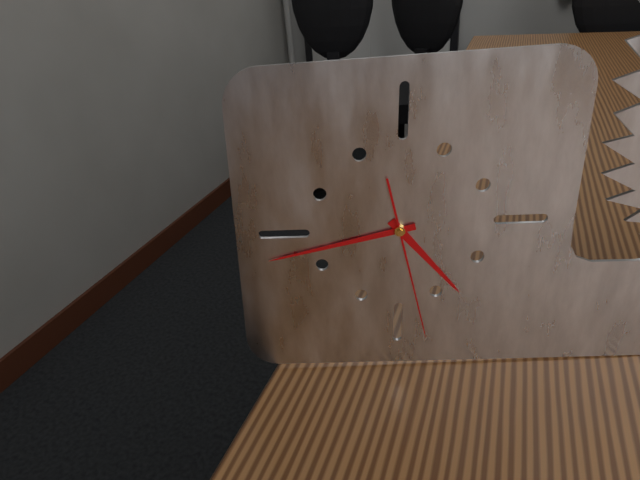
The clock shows **4:43:28**
